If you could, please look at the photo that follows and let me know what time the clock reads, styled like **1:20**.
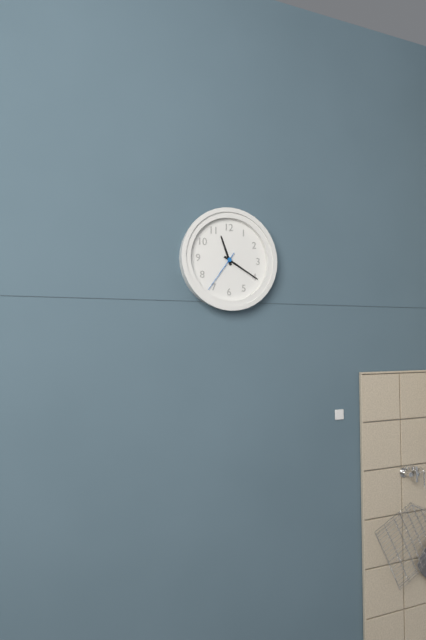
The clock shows **11:20**
